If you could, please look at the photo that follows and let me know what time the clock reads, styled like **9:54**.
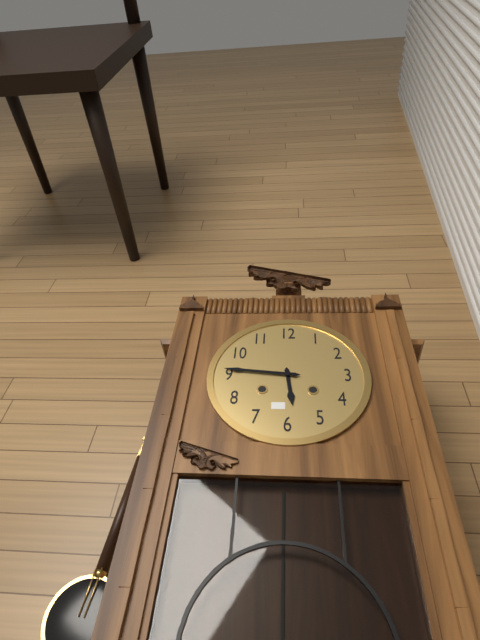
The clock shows **5:46**
